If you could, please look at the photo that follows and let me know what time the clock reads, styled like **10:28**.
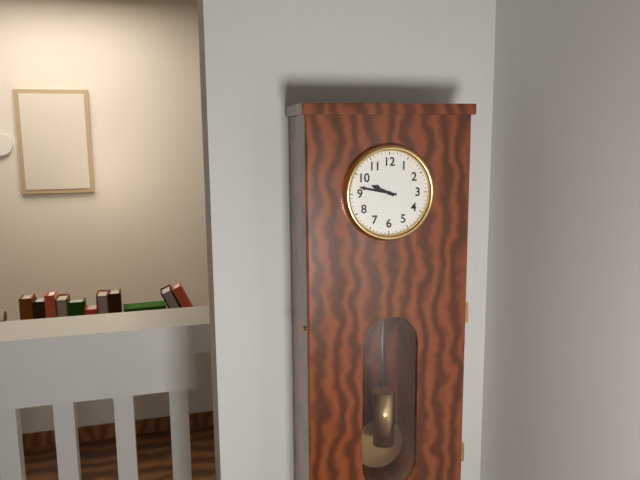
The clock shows **9:47**
